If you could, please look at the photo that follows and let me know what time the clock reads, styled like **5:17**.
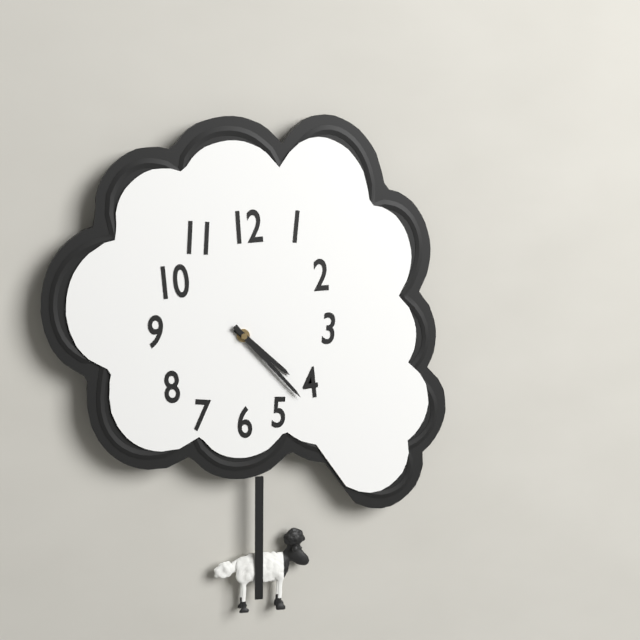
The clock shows **4:23**
